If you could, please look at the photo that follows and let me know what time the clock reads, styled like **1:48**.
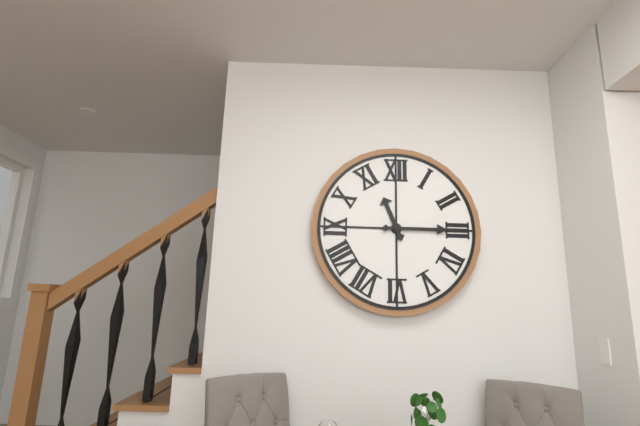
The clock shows **11:15**
